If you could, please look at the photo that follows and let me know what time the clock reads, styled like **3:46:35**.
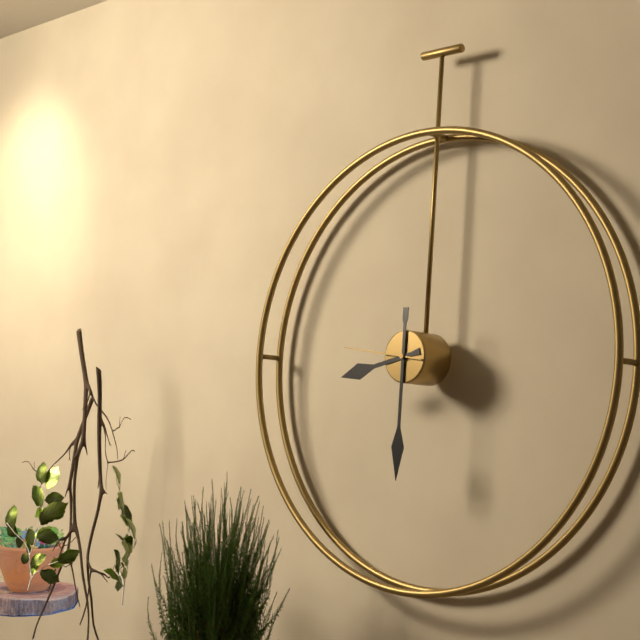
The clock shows **8:30:46**
